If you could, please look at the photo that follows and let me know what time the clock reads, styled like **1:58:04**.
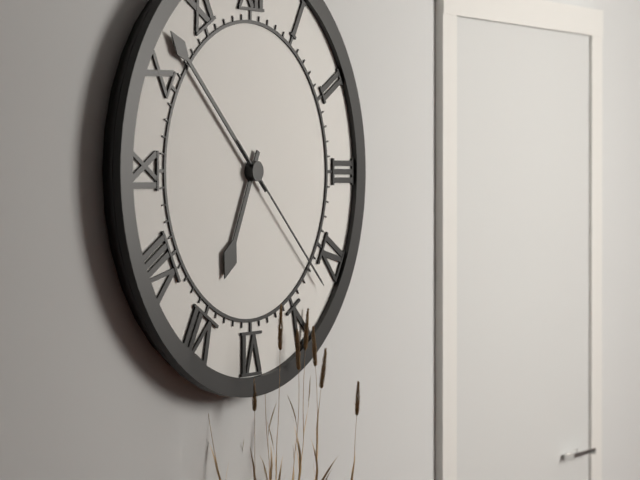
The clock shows **6:52:22**
